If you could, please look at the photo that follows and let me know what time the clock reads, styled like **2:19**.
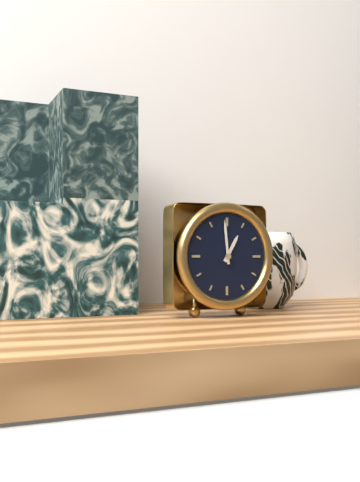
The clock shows **12:59**
